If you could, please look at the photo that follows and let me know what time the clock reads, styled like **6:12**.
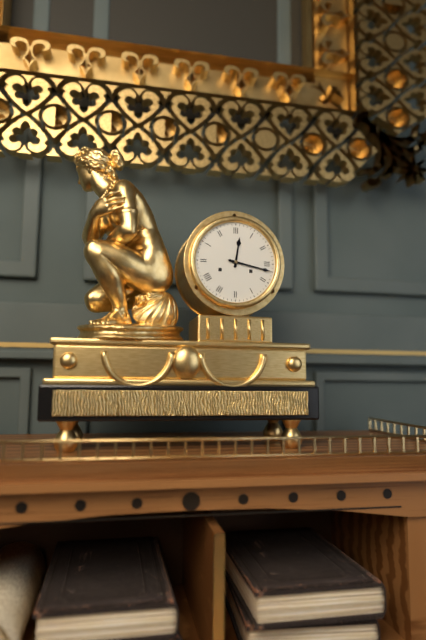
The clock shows **12:17**
